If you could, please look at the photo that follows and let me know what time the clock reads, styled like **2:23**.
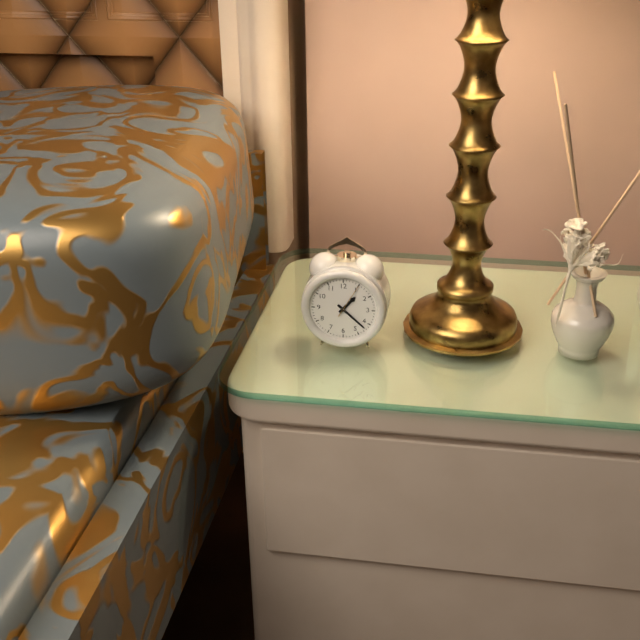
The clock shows **1:22**
